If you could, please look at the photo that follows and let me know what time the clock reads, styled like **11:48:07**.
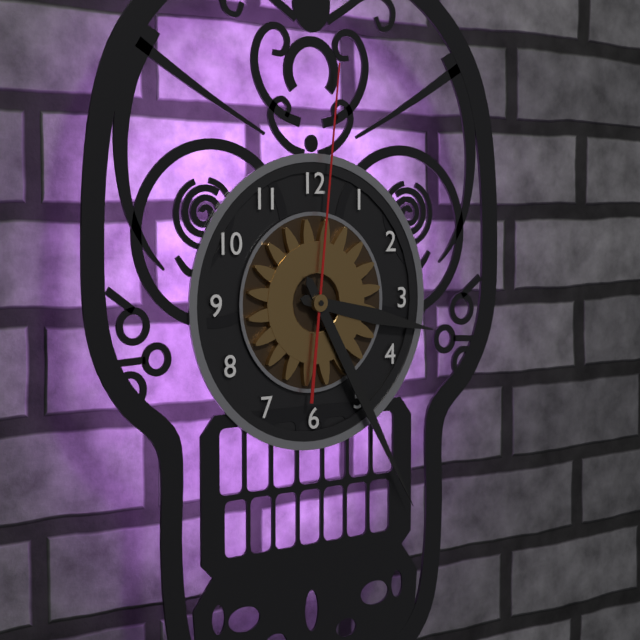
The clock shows **3:25:01**
